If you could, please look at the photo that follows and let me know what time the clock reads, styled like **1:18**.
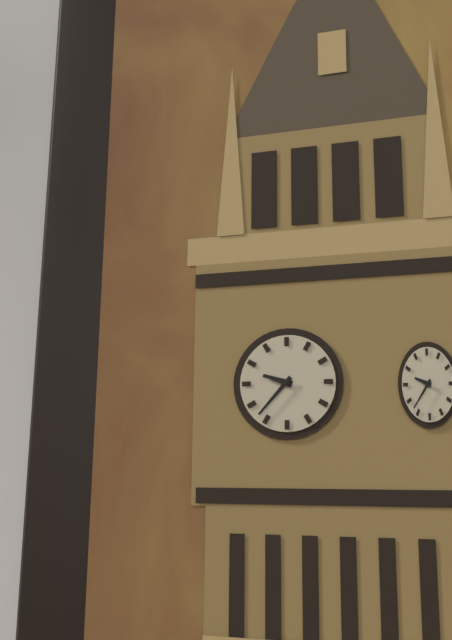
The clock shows **9:37**
